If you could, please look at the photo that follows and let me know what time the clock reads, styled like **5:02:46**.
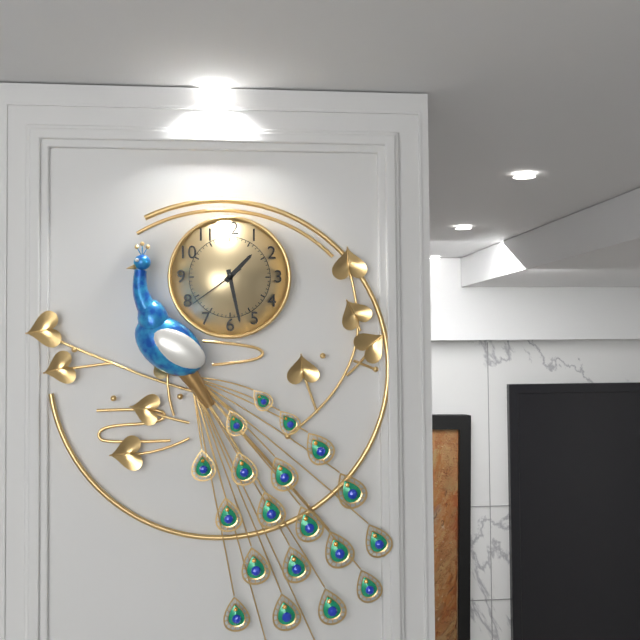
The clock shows **1:28:39**
